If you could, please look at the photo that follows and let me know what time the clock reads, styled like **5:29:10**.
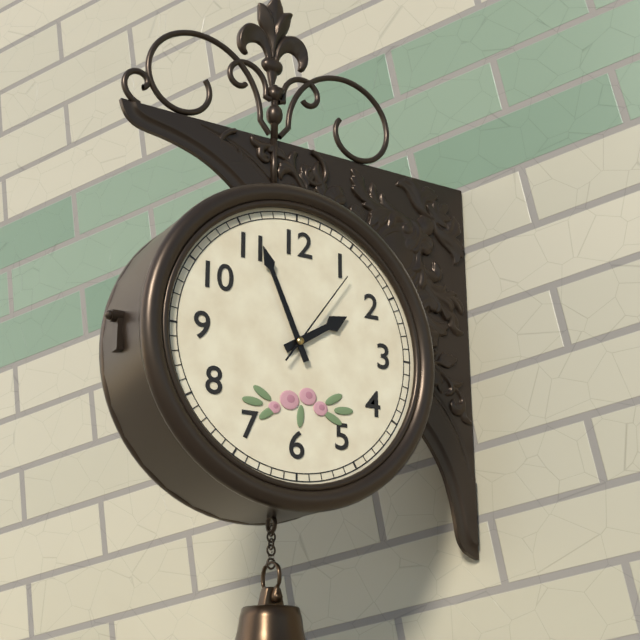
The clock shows **1:56:06**
